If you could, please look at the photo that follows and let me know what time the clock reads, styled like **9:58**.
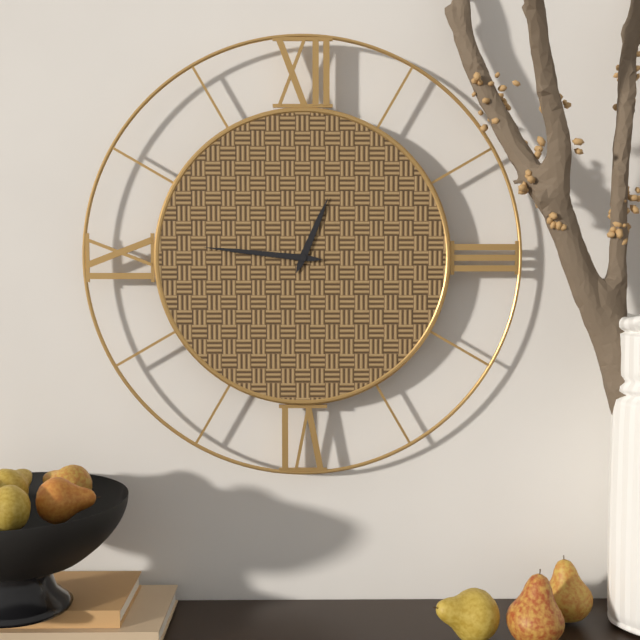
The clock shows **12:46**
